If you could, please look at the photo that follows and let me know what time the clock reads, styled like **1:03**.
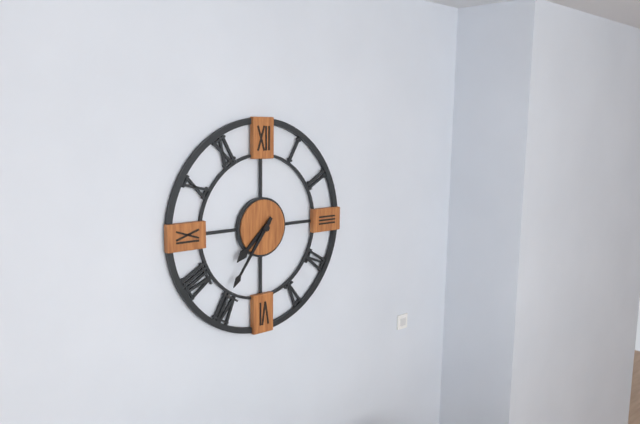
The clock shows **7:36**
